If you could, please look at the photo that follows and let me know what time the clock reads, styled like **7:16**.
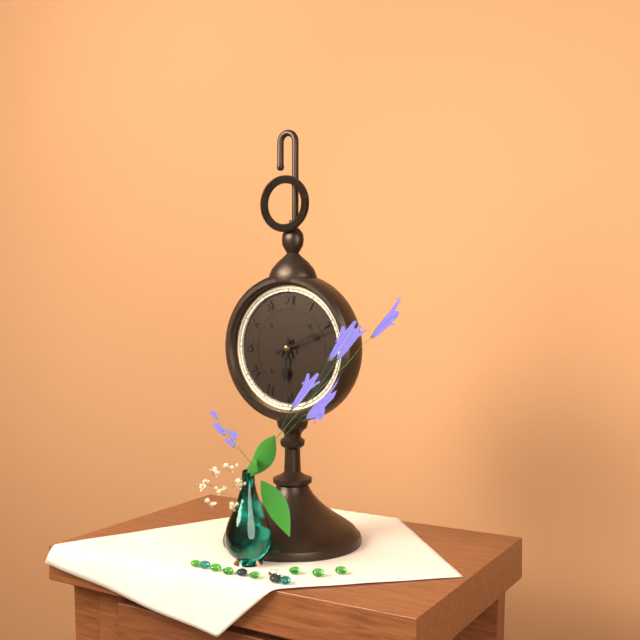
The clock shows **6:11**
